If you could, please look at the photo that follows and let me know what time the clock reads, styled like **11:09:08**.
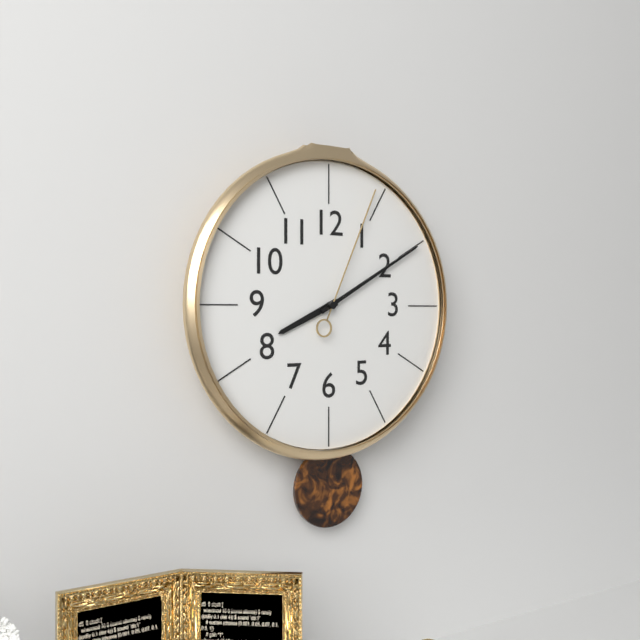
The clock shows **8:10:04**
